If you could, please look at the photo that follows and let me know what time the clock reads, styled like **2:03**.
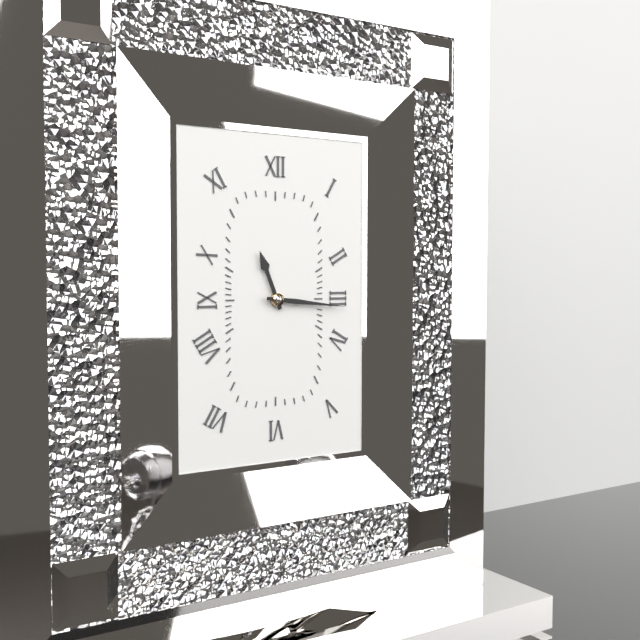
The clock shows **11:16**
